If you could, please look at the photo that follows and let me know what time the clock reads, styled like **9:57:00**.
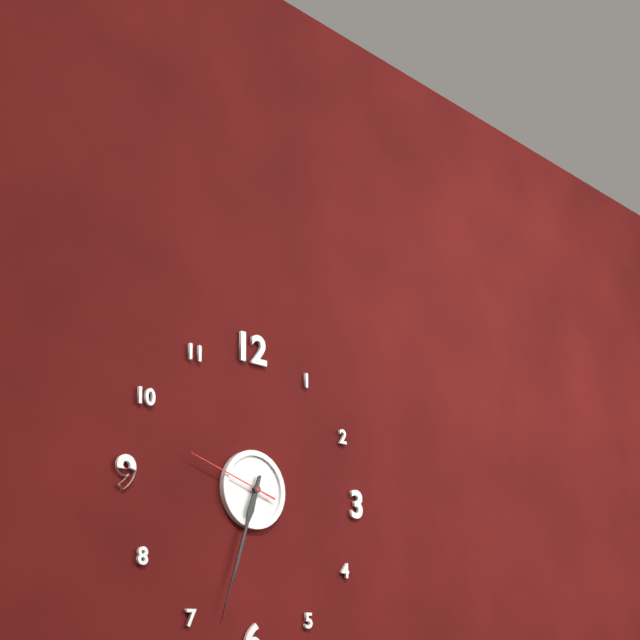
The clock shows **6:33:48**
